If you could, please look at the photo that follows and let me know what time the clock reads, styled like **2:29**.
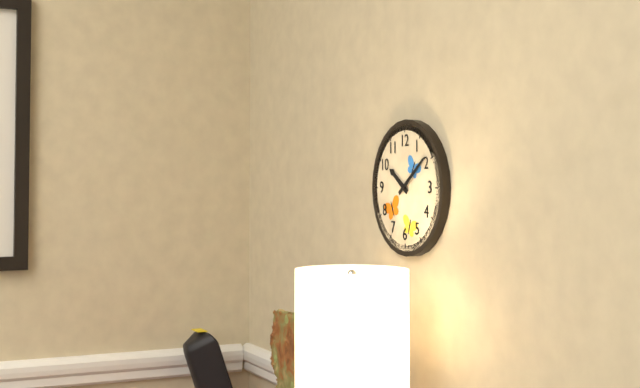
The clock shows **10:09**
